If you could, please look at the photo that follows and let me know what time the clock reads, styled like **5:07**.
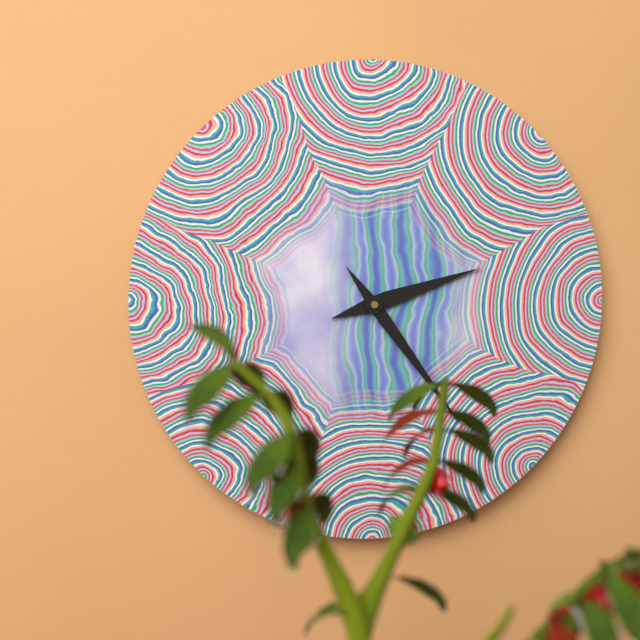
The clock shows **2:24**
